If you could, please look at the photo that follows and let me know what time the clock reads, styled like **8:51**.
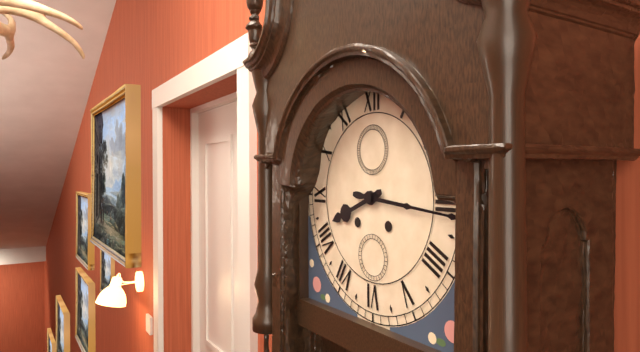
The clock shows **8:16**
